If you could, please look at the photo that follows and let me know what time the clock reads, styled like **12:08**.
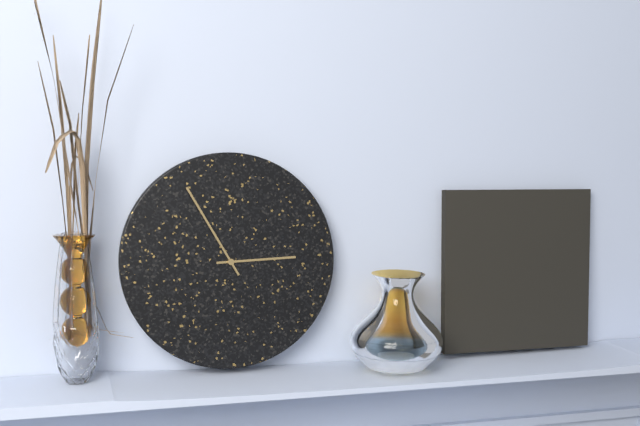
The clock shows **2:55**
